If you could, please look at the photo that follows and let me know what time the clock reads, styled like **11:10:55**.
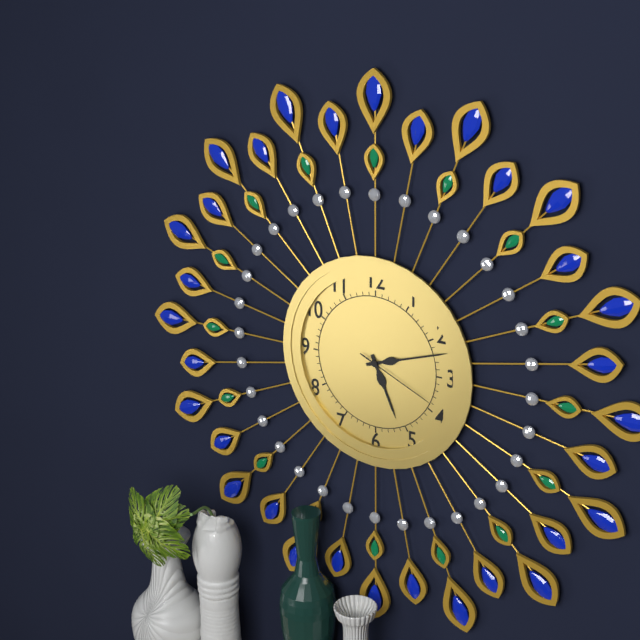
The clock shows **5:12:19**
